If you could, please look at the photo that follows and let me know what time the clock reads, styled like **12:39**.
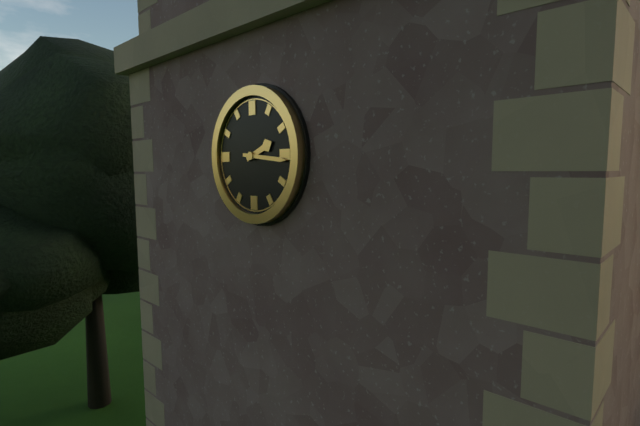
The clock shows **2:16**
